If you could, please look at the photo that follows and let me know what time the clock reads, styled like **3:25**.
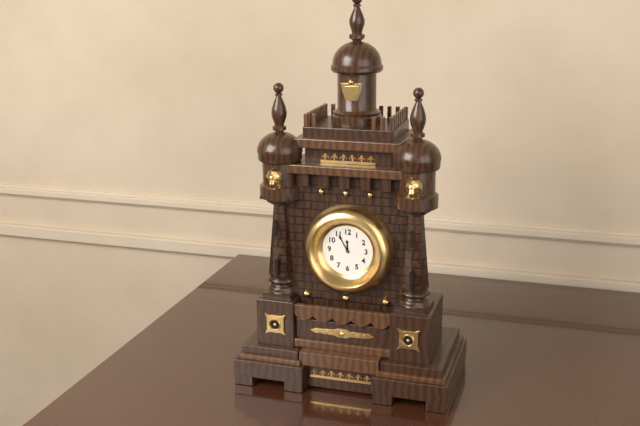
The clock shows **11:55**
